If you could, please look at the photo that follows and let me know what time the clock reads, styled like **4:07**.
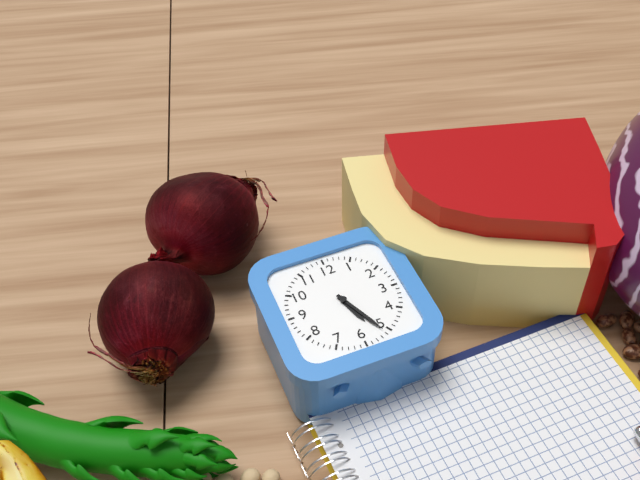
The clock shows **5:26**
